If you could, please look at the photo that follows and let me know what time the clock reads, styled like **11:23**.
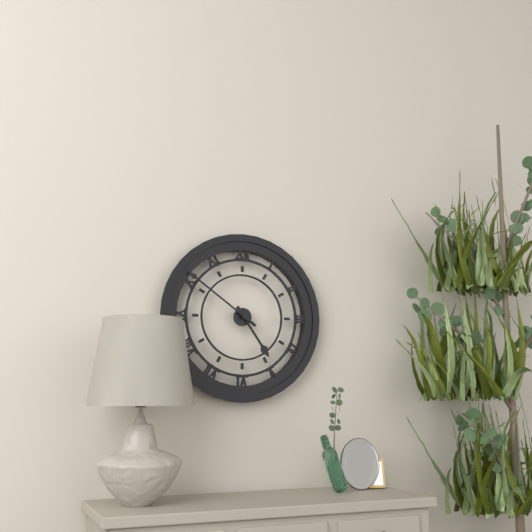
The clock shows **4:51**
